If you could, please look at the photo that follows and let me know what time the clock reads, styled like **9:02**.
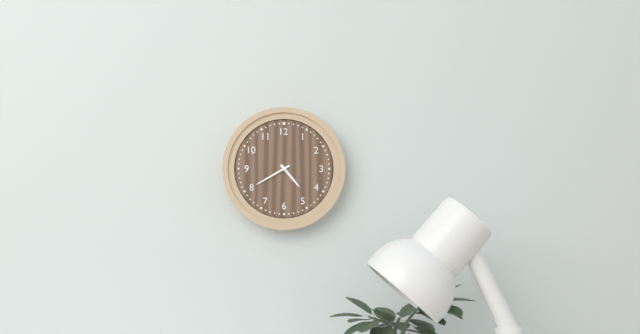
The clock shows **4:40**
